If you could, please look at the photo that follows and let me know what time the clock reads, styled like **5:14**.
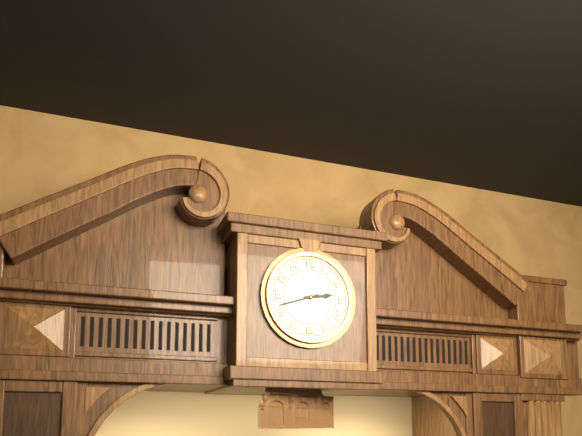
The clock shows **2:42**
